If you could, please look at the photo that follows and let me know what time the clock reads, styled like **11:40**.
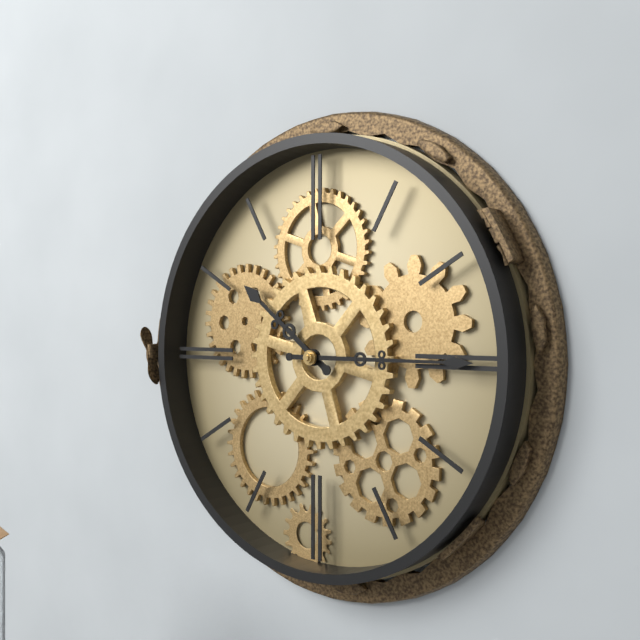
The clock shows **10:15**
